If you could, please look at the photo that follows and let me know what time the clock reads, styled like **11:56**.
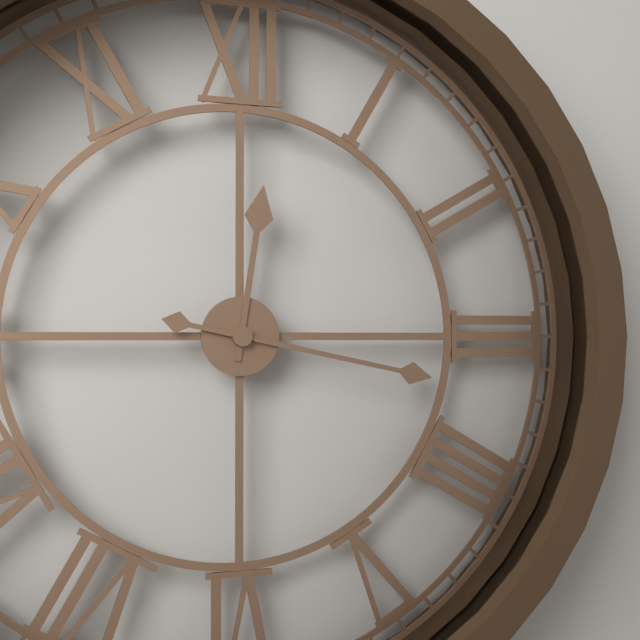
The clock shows **12:17**
